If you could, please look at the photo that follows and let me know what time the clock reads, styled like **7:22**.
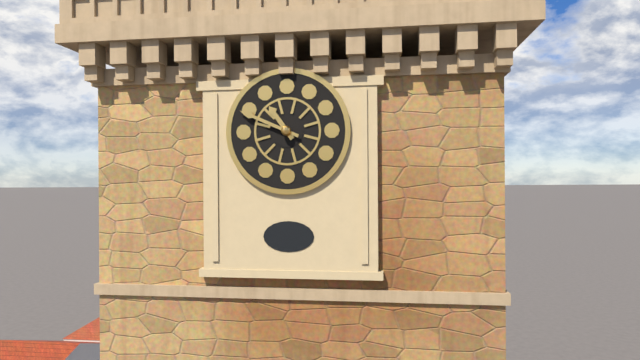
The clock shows **10:49**
